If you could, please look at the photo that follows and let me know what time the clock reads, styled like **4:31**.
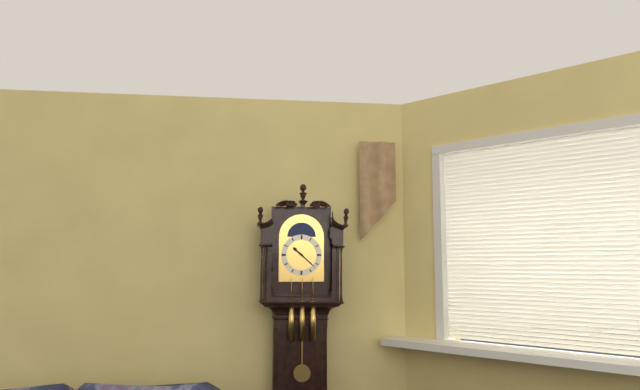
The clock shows **10:22**
